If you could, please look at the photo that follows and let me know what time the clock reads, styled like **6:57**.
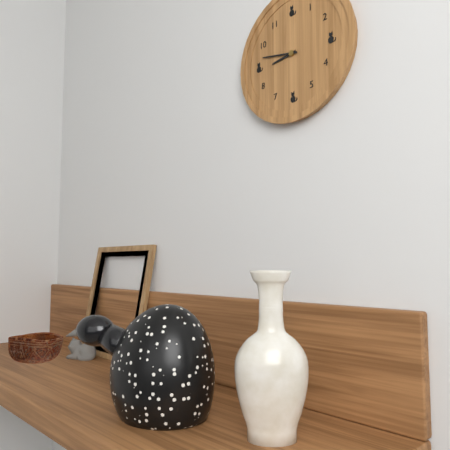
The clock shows **8:47**
